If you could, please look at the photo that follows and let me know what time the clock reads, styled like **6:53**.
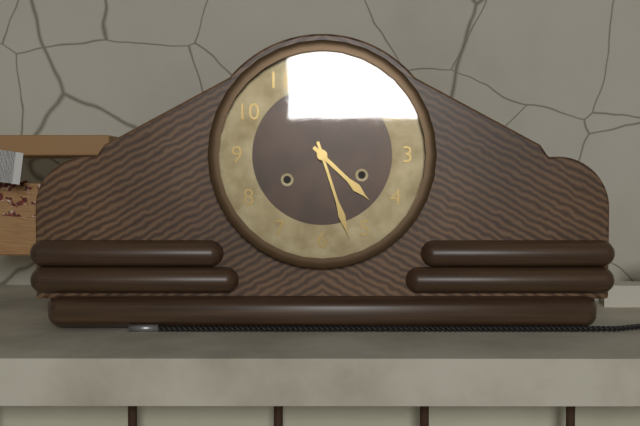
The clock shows **4:27**
